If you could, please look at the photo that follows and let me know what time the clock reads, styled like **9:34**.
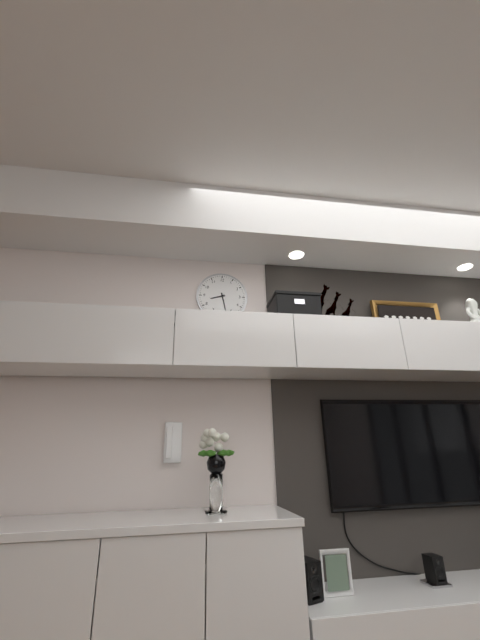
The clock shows **8:28**
